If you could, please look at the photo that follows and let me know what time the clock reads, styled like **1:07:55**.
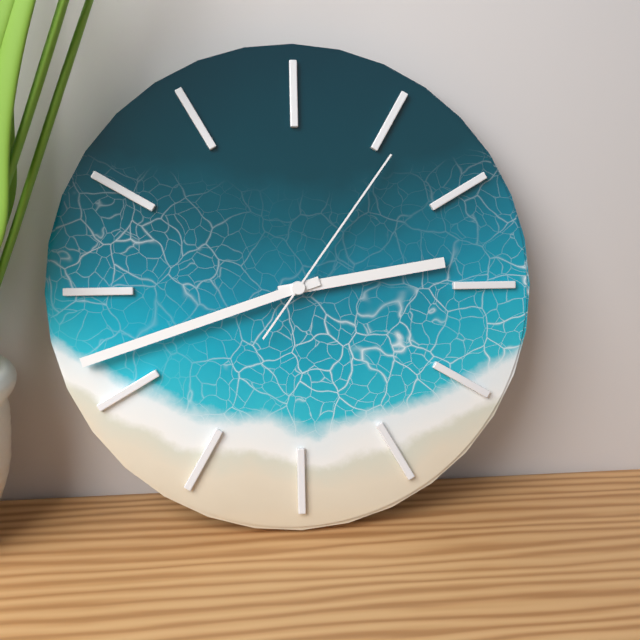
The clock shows **2:42:06**
